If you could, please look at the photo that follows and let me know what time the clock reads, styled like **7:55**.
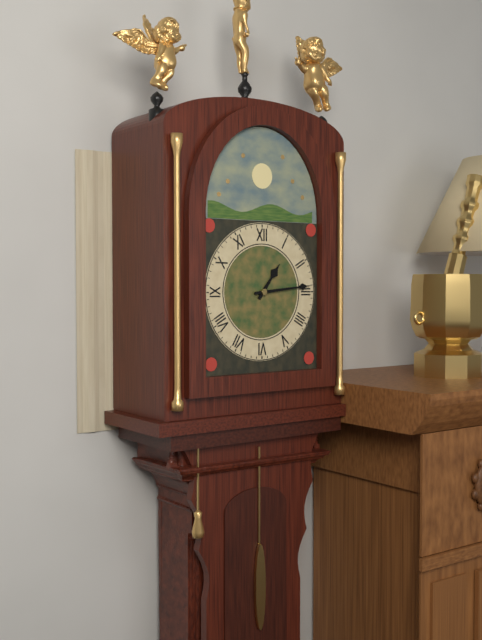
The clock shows **1:14**
